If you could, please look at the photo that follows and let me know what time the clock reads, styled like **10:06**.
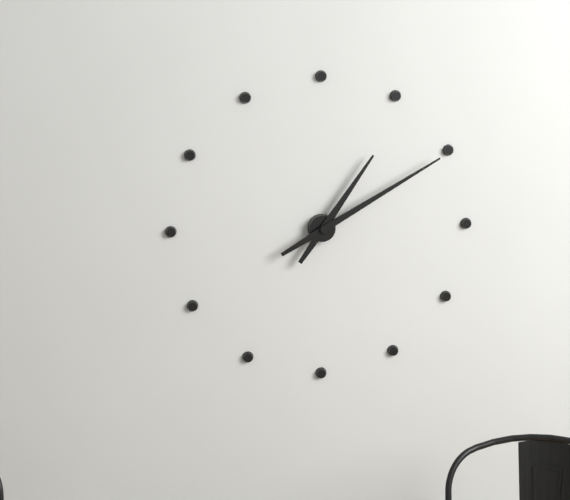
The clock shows **1:10**
